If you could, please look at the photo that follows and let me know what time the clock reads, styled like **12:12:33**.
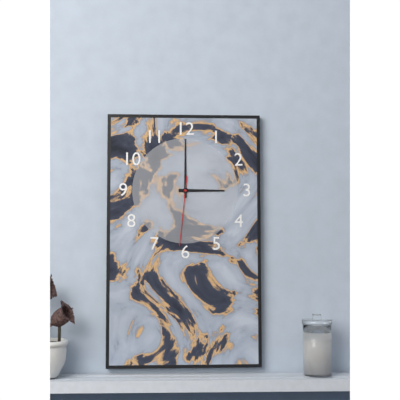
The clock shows **3:00:31**
